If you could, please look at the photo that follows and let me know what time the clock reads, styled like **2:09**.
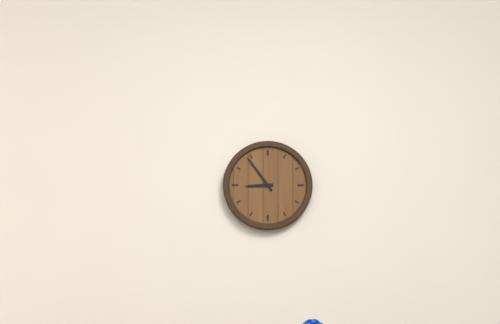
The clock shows **8:54**
